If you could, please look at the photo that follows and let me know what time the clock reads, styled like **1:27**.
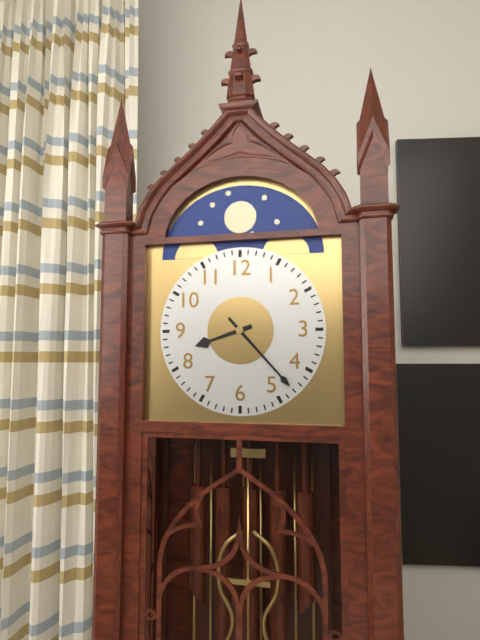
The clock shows **8:23**
